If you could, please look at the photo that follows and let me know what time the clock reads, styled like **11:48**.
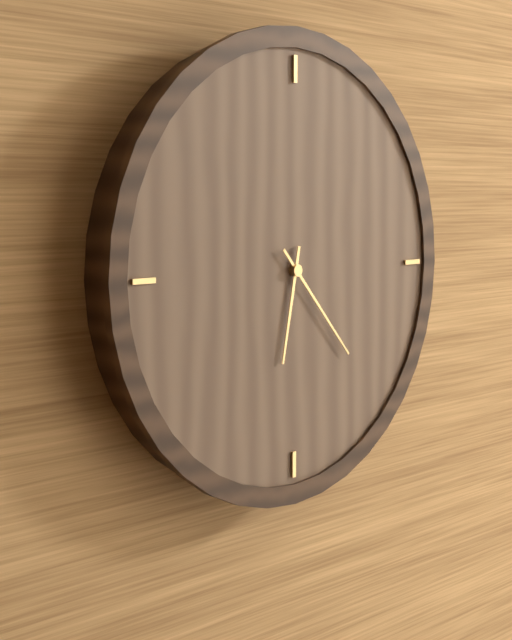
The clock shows **6:23**
